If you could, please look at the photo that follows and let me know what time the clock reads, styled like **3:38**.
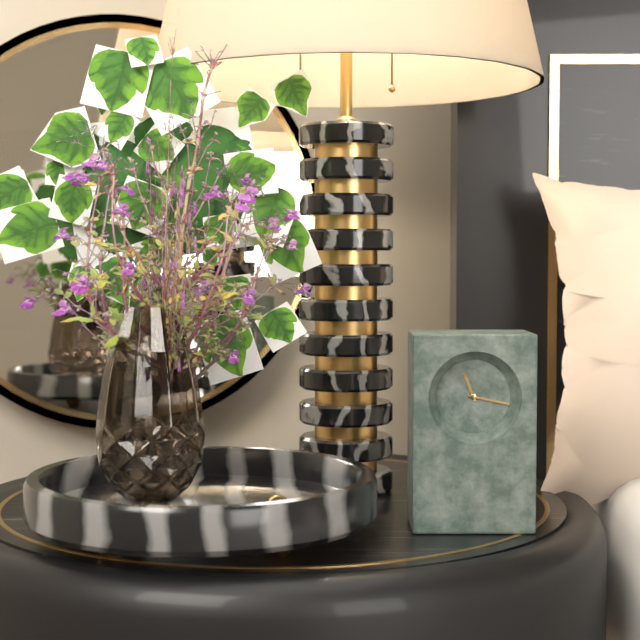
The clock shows **11:17**
